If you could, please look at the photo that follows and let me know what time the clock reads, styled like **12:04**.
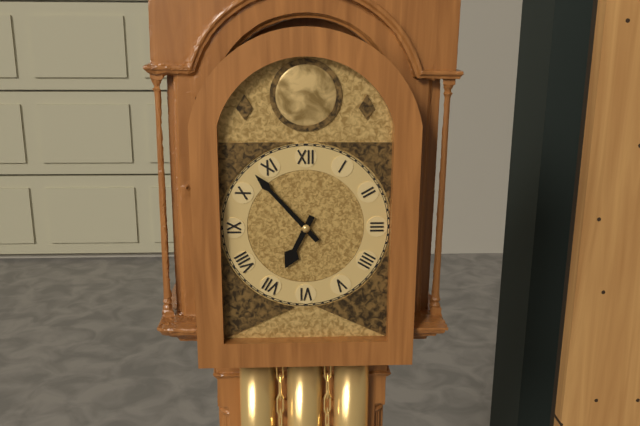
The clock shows **6:53**
